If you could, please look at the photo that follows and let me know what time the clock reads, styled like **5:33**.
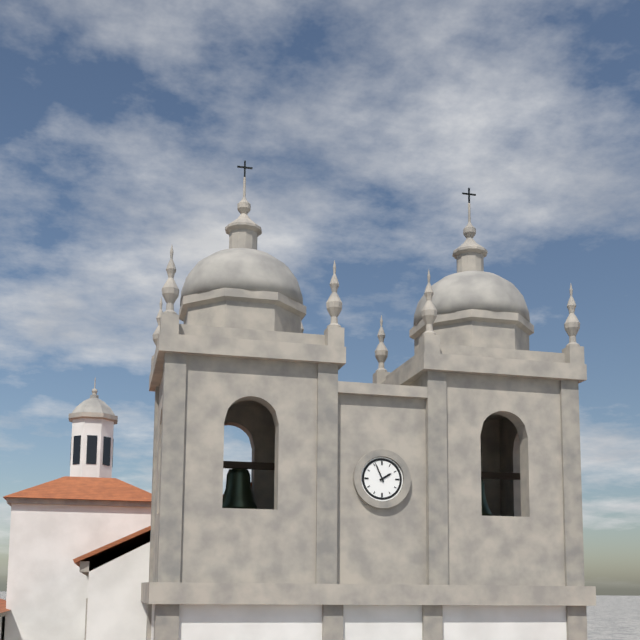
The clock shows **1:56**
